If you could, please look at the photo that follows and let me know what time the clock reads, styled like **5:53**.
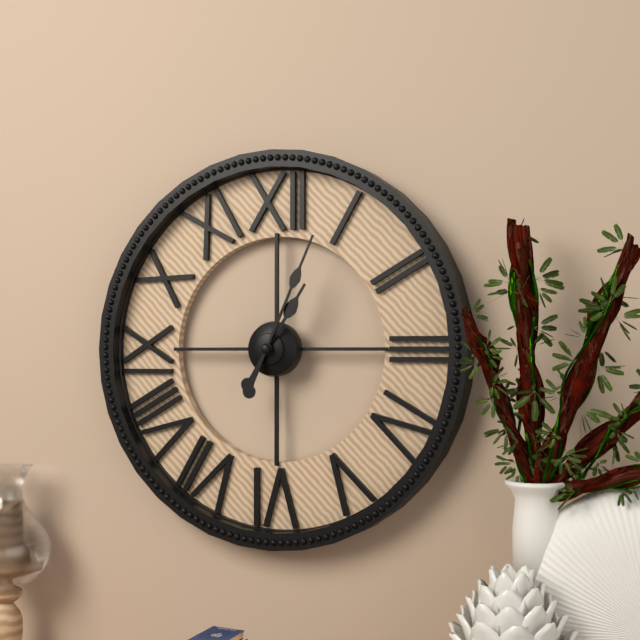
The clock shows **1:04**
